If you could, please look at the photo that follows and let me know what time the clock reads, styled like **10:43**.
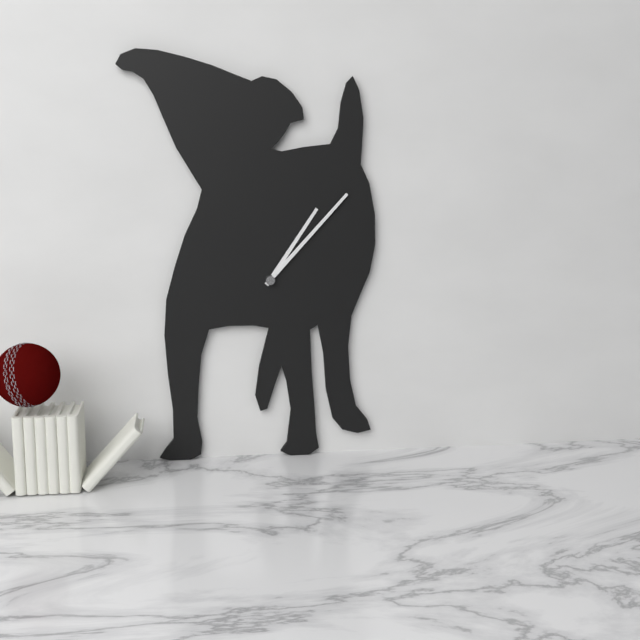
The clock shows **1:07**
